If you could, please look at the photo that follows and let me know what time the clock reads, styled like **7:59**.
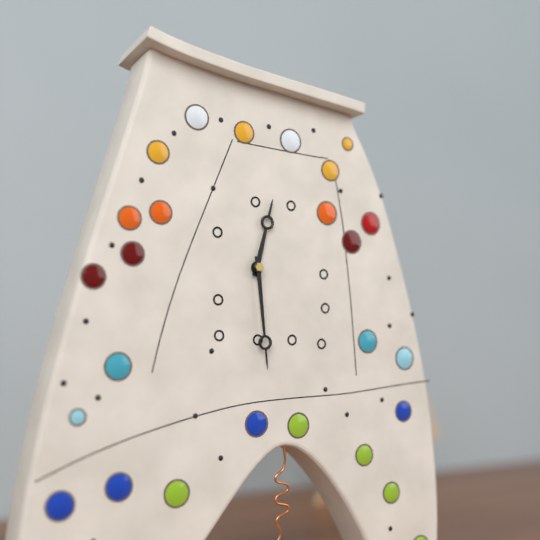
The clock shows **12:29**
